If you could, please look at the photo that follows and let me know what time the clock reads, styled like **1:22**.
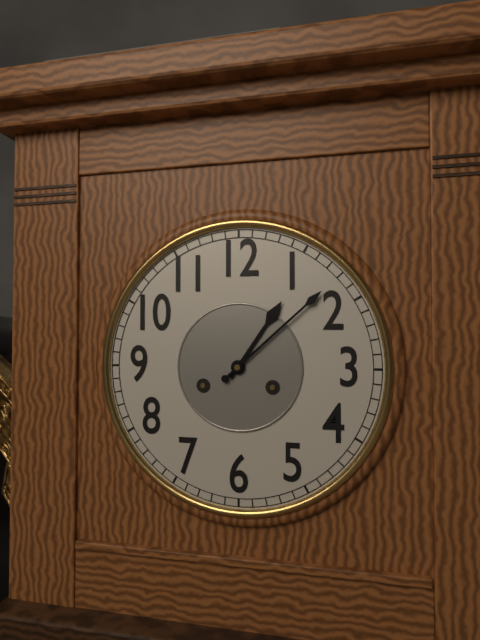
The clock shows **1:08**
